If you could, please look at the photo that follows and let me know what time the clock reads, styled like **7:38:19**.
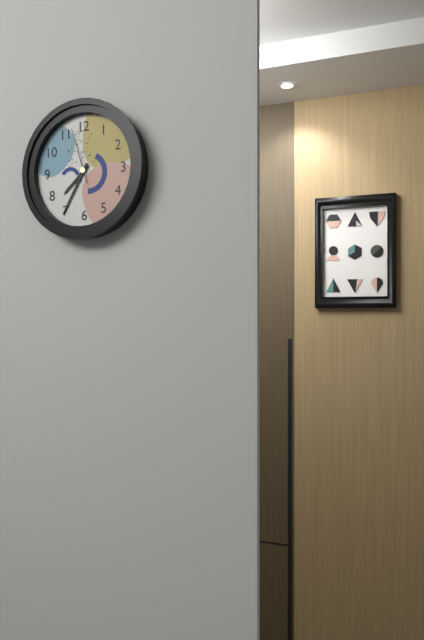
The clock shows **7:35:57**
